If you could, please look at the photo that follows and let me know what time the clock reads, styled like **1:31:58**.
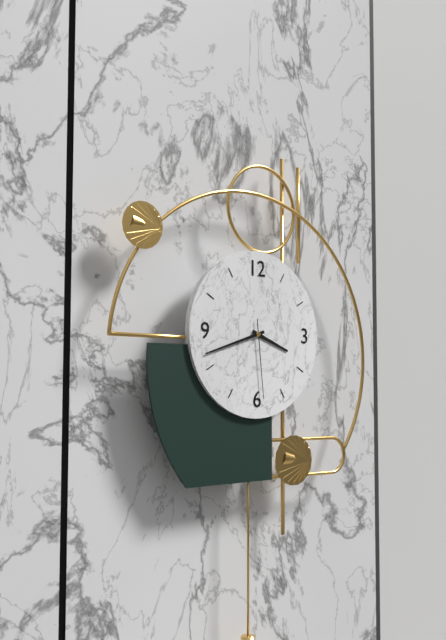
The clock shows **3:42:29**
